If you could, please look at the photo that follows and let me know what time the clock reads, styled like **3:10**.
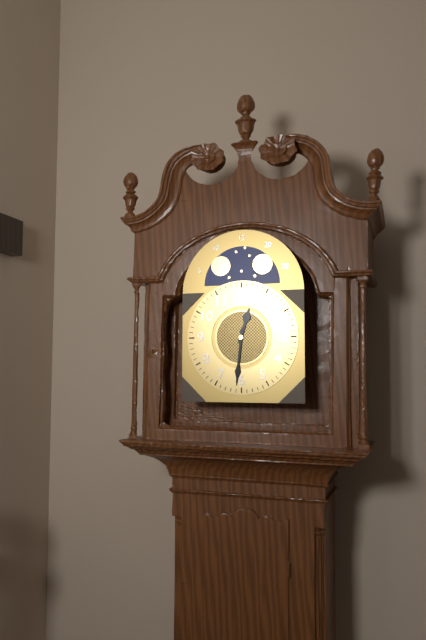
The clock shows **12:31**
